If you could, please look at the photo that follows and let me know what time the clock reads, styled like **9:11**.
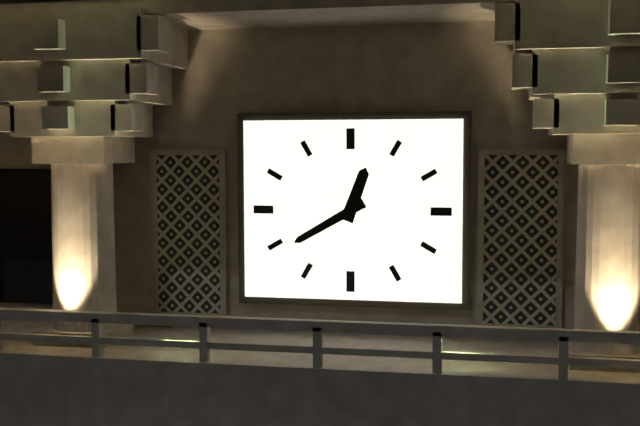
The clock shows **12:40**
